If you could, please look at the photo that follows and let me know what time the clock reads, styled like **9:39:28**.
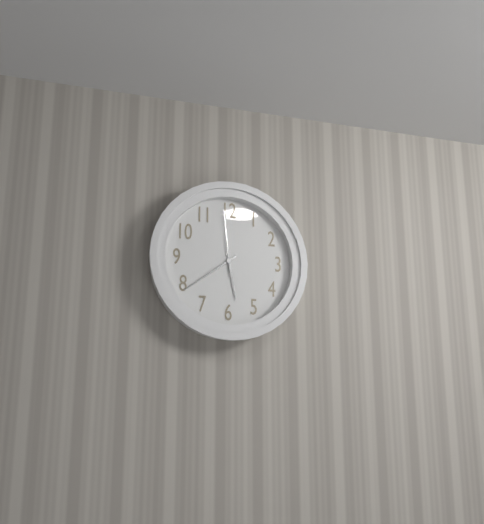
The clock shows **5:39:59**
